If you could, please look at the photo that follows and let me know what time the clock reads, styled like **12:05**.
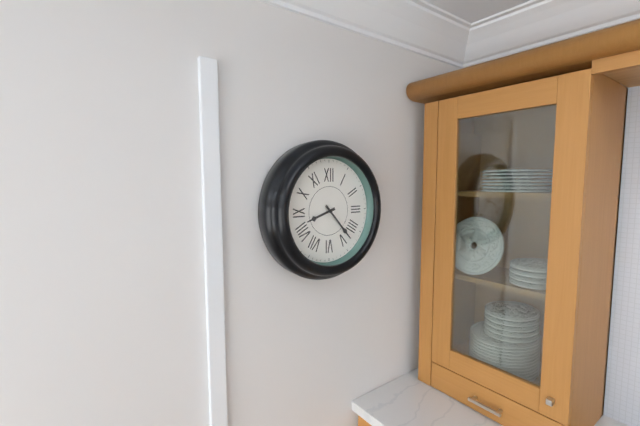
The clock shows **8:23**
